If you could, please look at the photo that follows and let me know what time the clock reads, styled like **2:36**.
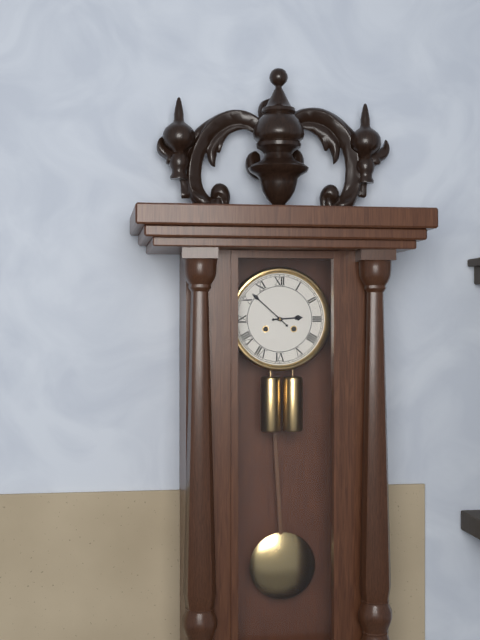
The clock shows **2:52**
